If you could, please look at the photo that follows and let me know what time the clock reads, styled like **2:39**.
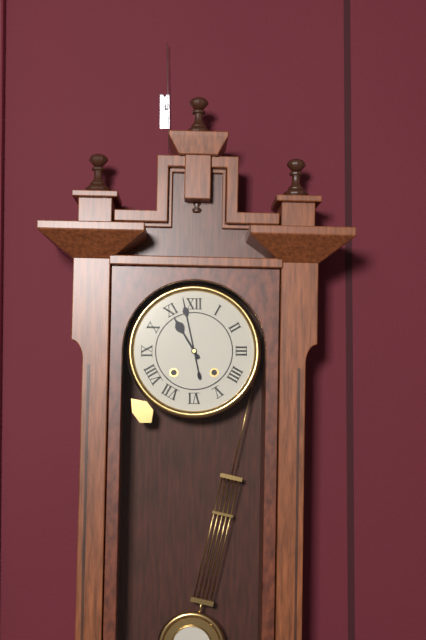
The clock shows **10:58**
